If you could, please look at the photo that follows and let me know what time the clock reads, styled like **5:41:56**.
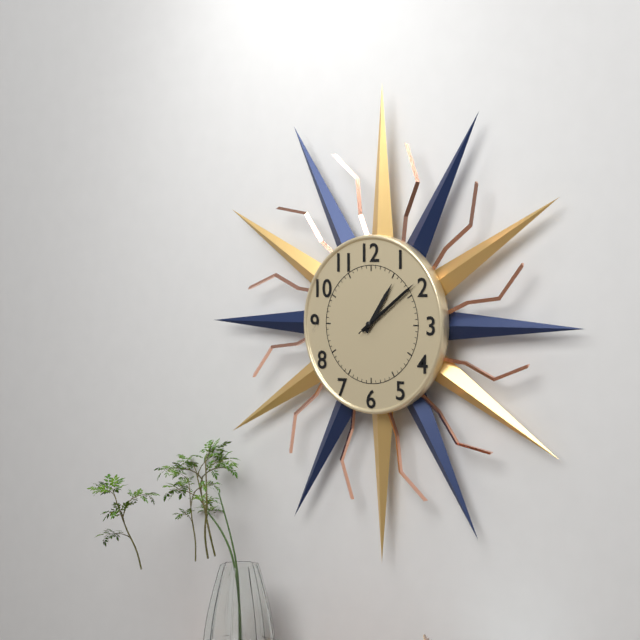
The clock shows **1:09:09**
